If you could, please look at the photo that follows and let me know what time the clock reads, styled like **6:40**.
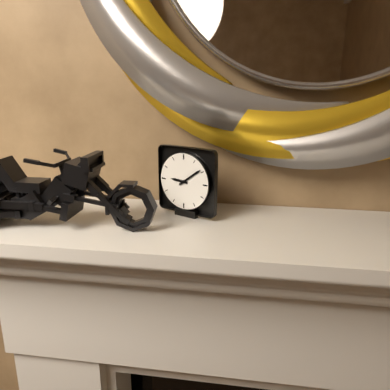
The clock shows **9:09**
